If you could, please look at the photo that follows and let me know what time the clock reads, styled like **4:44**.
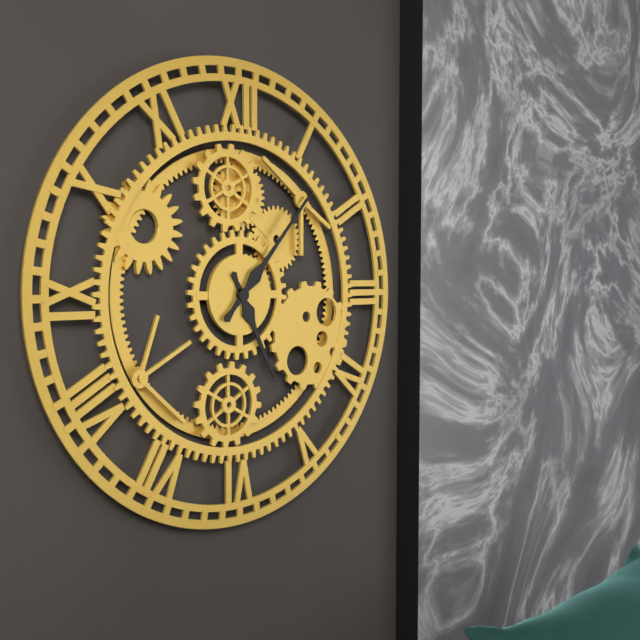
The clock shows **5:07**
